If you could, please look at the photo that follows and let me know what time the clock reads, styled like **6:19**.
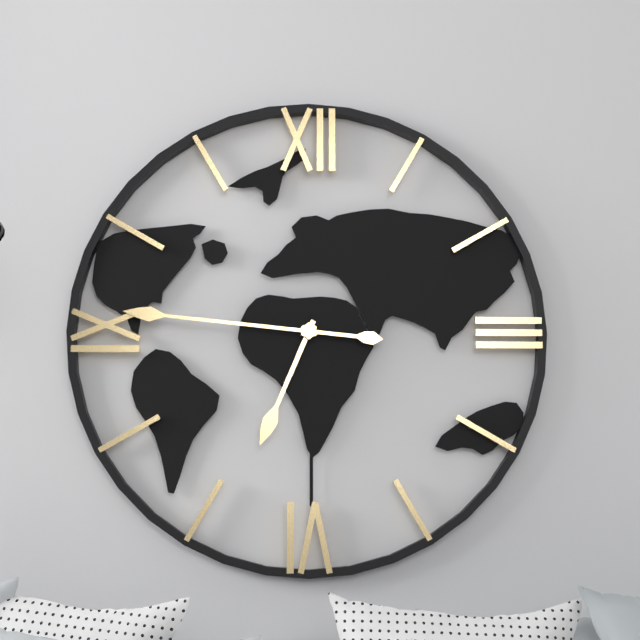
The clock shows **6:46**
